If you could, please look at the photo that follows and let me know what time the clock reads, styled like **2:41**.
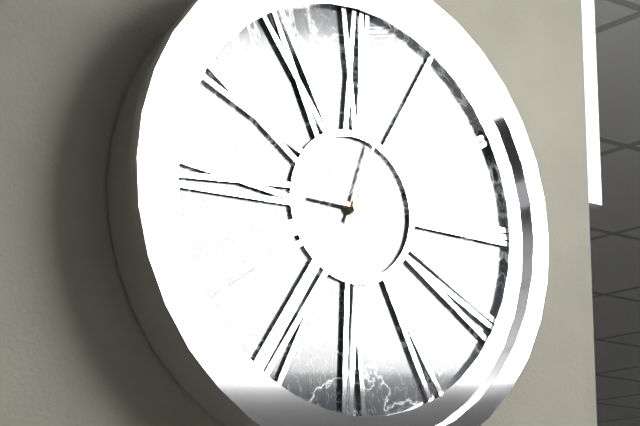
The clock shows **9:03**
